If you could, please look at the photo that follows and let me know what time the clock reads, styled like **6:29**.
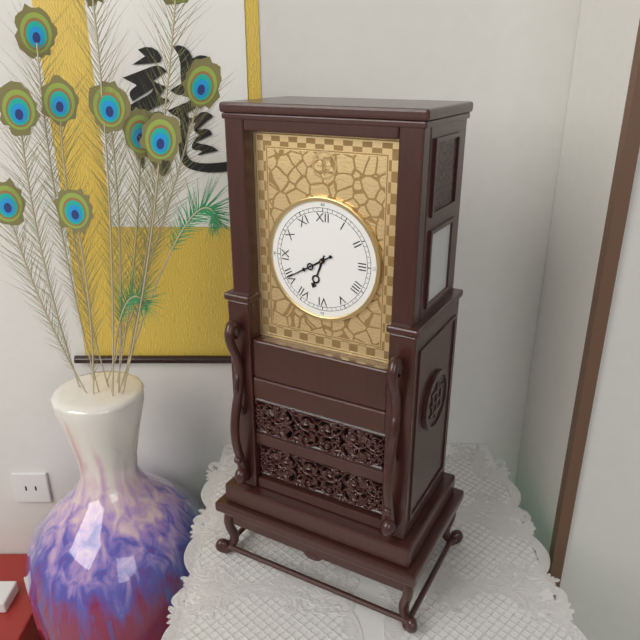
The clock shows **6:40**
